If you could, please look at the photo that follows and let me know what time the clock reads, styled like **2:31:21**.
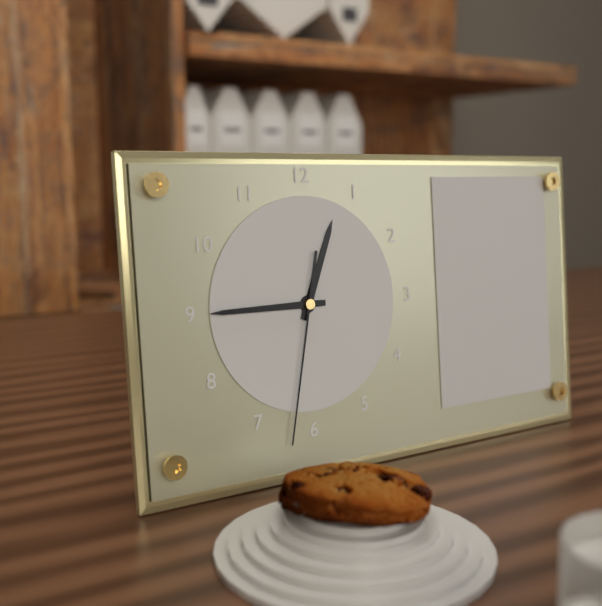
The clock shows **12:45:32**
